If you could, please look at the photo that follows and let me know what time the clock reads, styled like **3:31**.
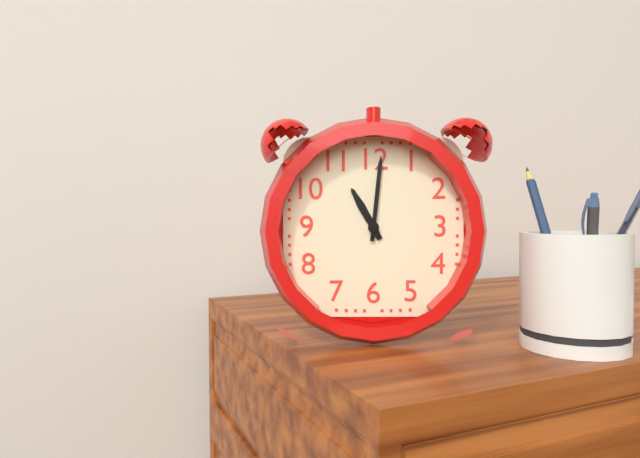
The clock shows **11:01**
